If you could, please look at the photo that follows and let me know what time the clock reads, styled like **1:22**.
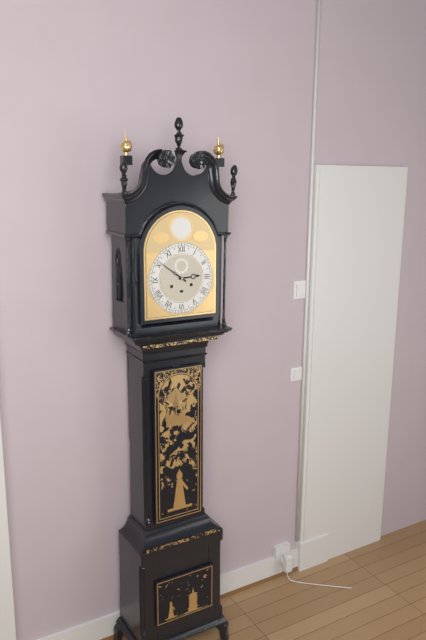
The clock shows **2:51**
